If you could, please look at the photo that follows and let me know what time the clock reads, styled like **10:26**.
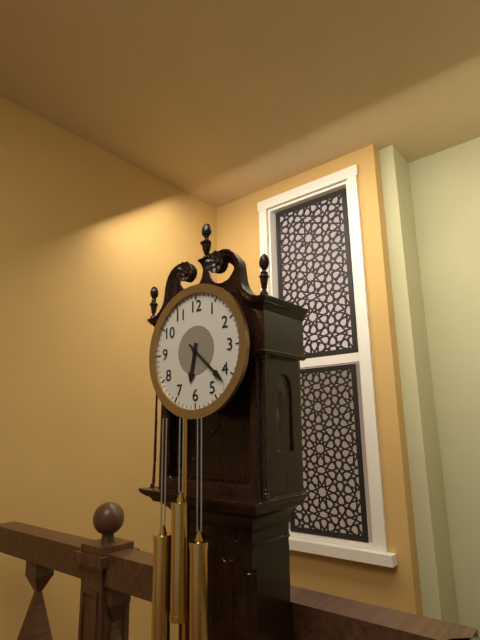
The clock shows **6:22**
